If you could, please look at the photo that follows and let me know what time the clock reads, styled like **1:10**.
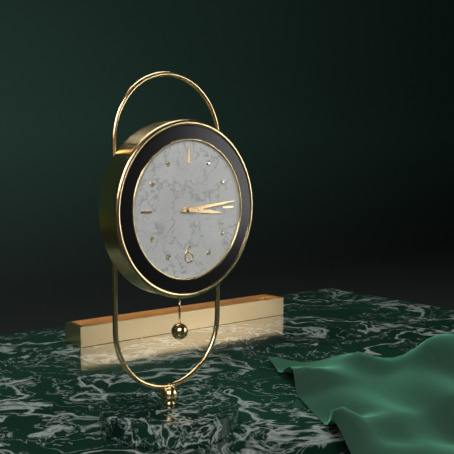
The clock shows **3:14**
